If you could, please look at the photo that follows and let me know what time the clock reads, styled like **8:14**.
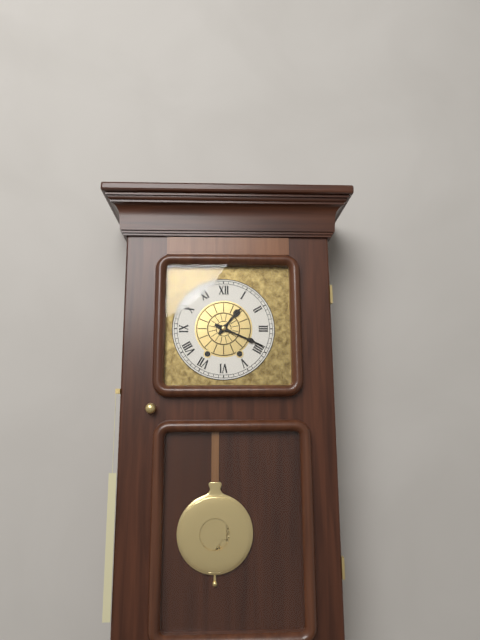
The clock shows **1:19**
